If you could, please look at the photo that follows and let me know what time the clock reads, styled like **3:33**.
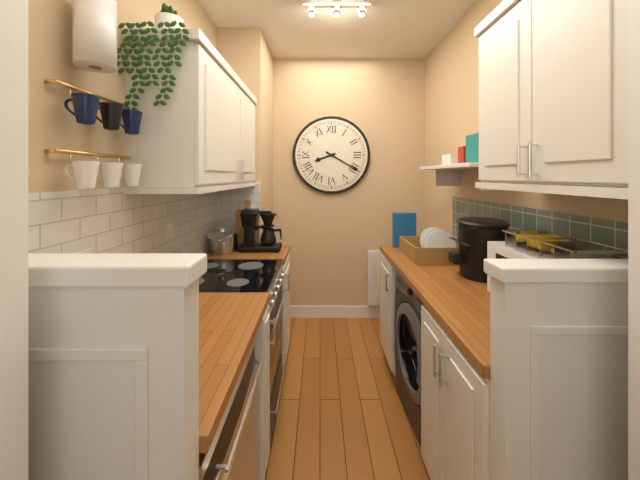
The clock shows **8:20**
